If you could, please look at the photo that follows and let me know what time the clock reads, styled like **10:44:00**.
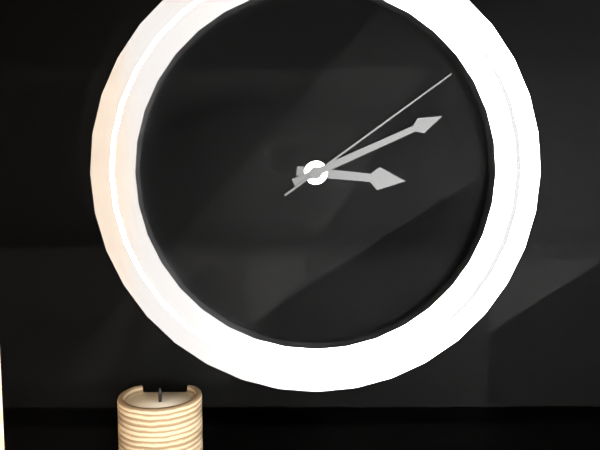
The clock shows **3:11:09**
